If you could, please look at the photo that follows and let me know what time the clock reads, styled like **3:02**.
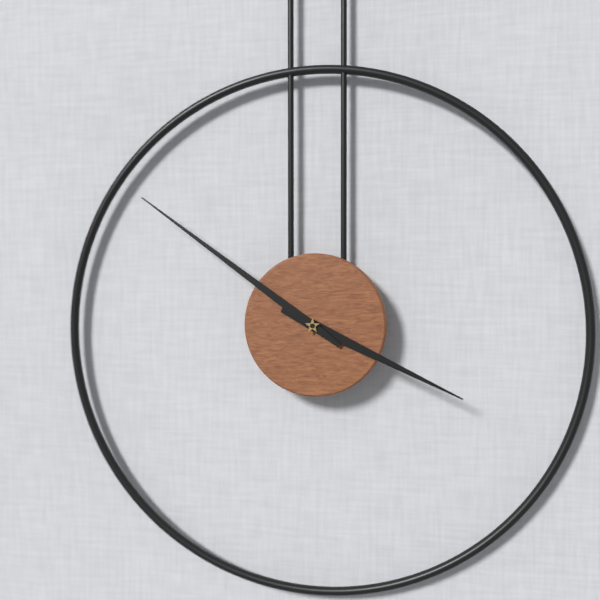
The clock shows **3:51**
